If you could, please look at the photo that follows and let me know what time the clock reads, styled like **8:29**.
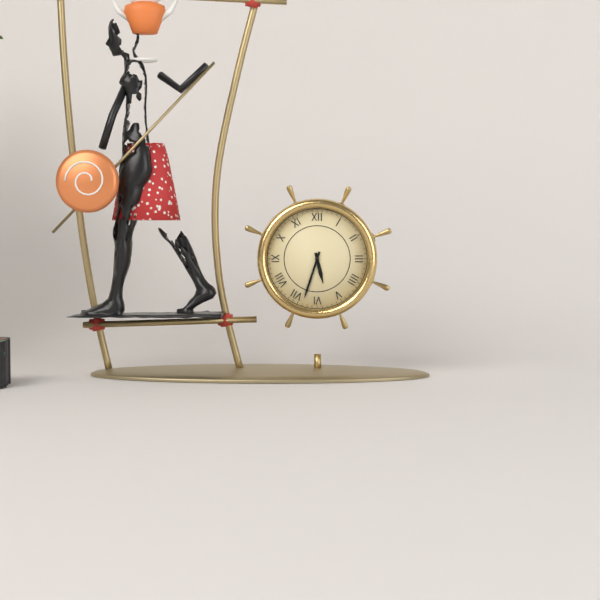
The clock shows **5:33**
